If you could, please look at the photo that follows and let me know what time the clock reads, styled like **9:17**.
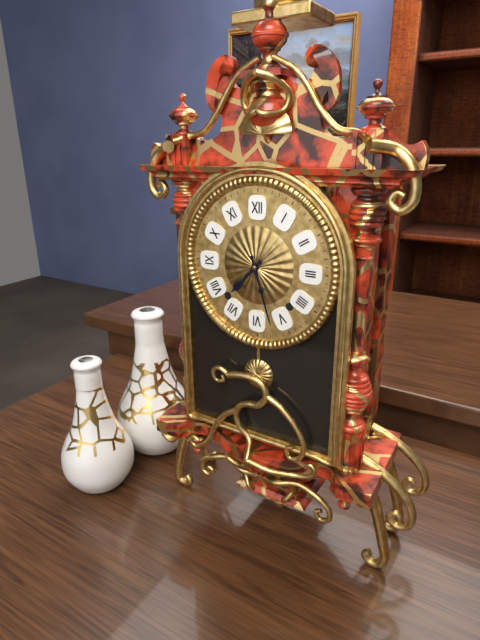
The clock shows **7:27**
